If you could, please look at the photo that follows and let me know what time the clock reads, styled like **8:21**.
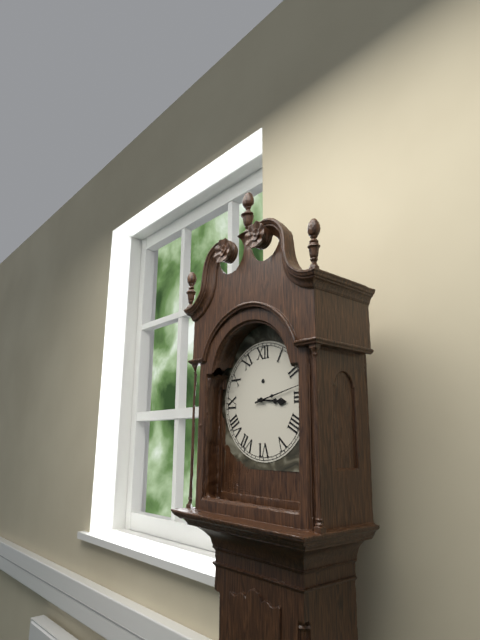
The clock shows **3:13**
